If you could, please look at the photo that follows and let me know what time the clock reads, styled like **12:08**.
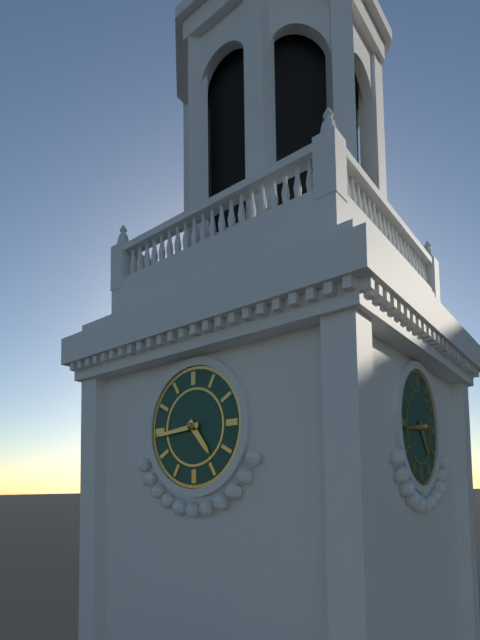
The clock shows **4:44**
